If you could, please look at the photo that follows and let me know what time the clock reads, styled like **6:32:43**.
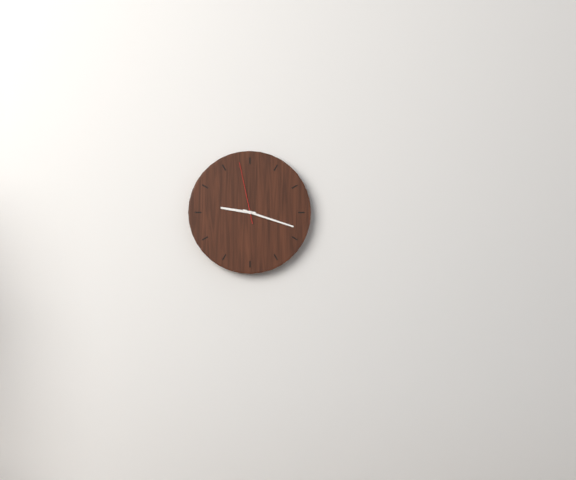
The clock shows **9:18:58**
